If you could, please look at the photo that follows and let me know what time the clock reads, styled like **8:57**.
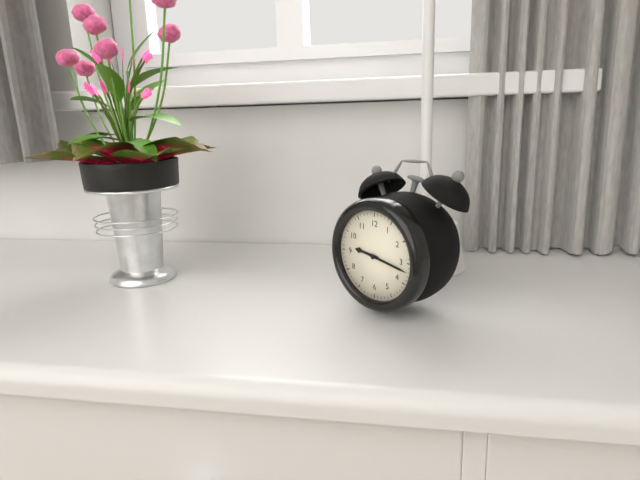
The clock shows **9:17**
